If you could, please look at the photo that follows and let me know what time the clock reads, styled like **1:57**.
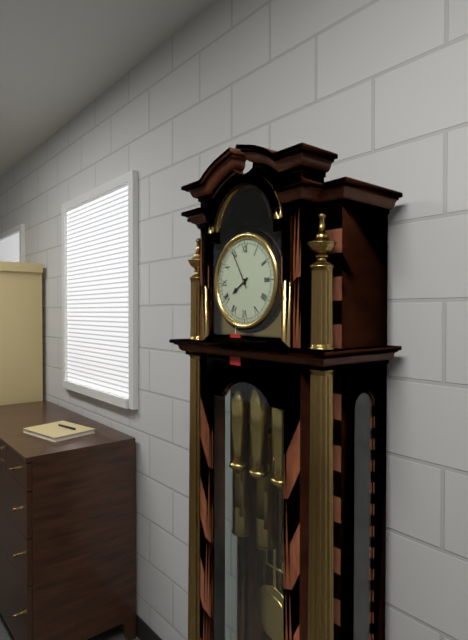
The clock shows **7:55**
